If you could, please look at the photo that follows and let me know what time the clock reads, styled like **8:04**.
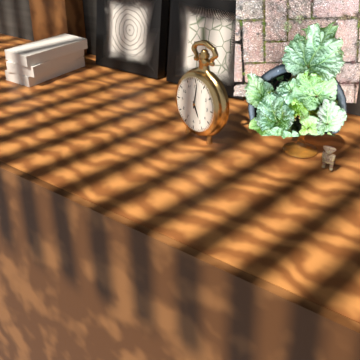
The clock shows **5:01**
